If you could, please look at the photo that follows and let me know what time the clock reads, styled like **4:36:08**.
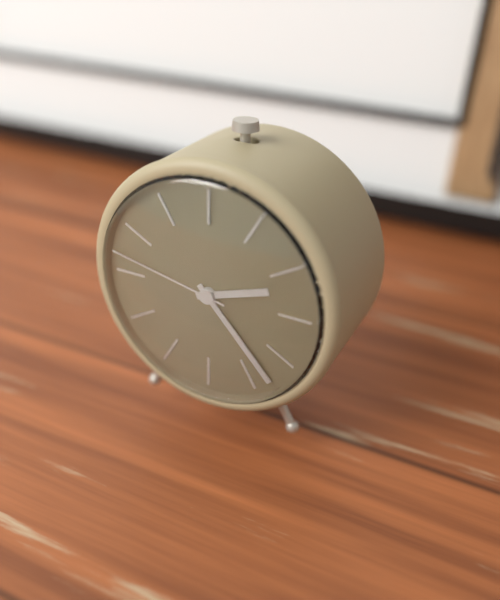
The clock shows **2:23:47**
